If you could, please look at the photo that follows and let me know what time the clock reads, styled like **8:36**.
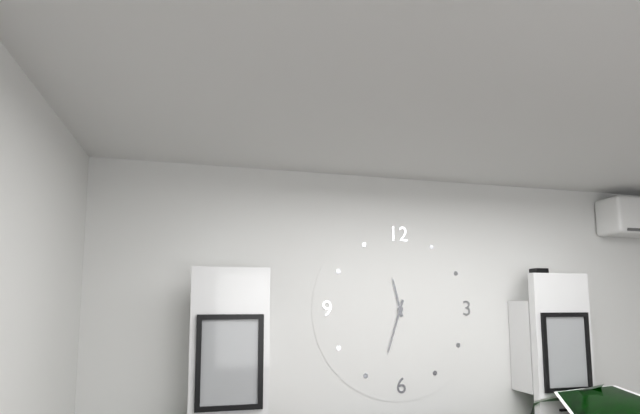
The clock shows **11:33**
